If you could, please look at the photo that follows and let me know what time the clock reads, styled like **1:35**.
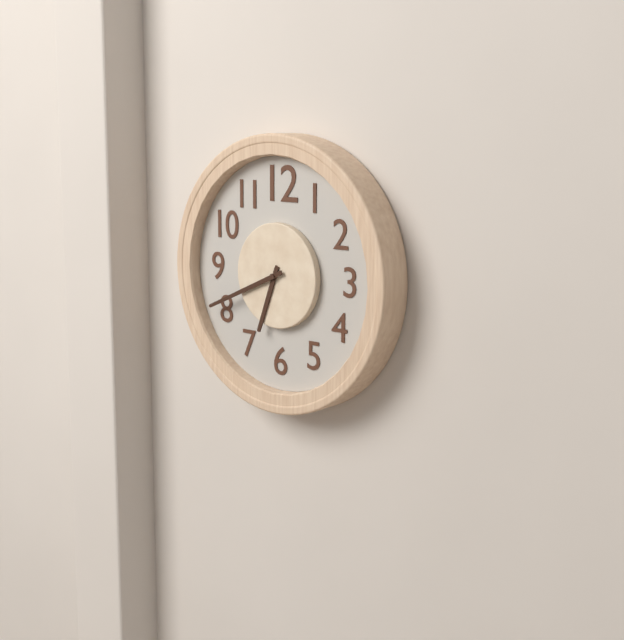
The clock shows **6:41**
